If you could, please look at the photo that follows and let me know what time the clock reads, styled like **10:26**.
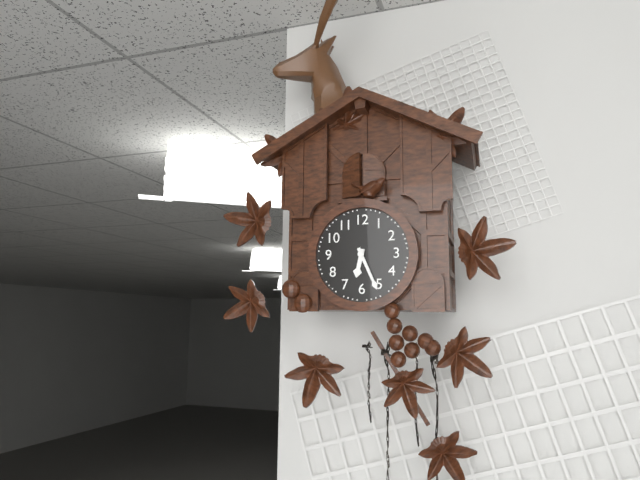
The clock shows **6:26**
